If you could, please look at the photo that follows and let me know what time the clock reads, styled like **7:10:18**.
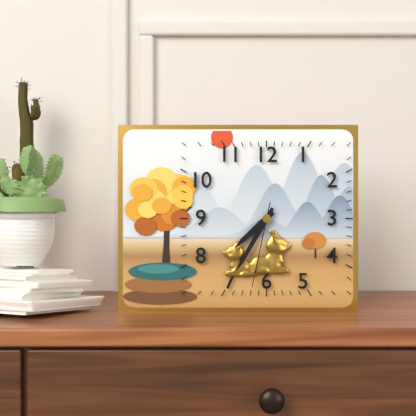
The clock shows **7:35:32**
